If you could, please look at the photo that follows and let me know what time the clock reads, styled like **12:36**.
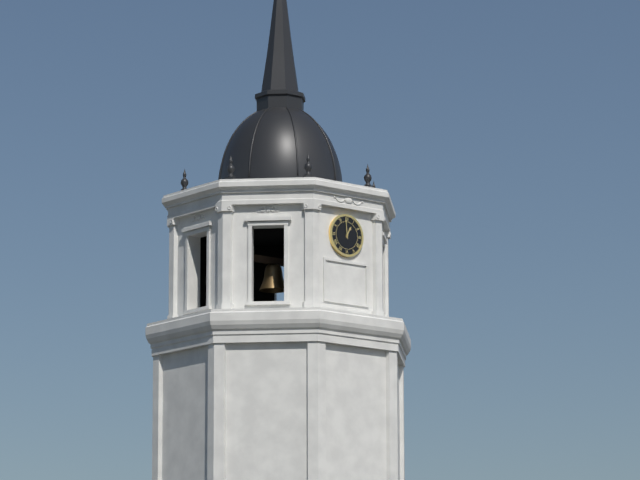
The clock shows **12:59**
